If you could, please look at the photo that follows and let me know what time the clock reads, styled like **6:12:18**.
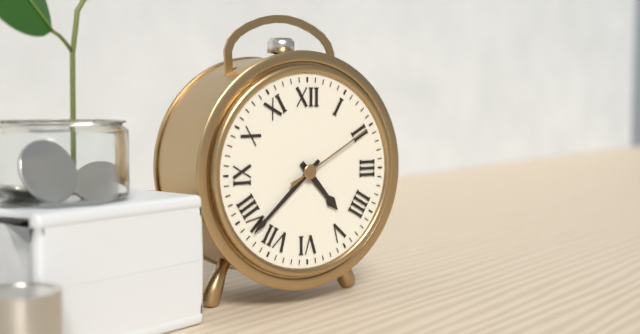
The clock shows **4:38:10**
